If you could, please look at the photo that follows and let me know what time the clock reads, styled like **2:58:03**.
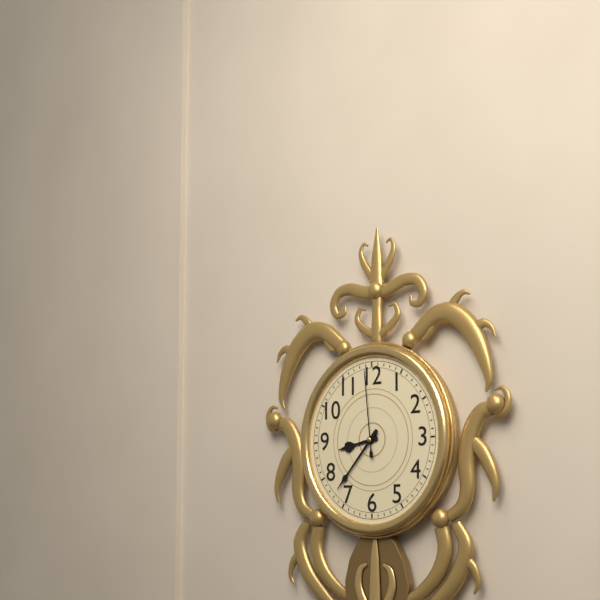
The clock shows **8:37:59**
